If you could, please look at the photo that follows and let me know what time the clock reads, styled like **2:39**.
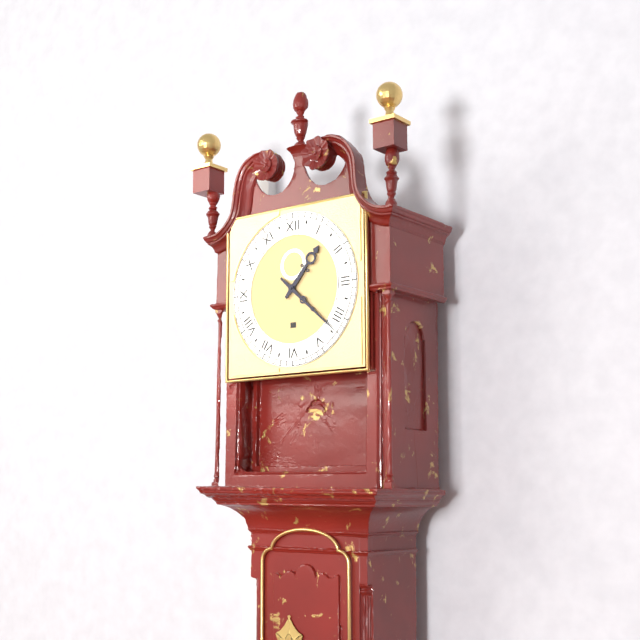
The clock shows **1:22**
